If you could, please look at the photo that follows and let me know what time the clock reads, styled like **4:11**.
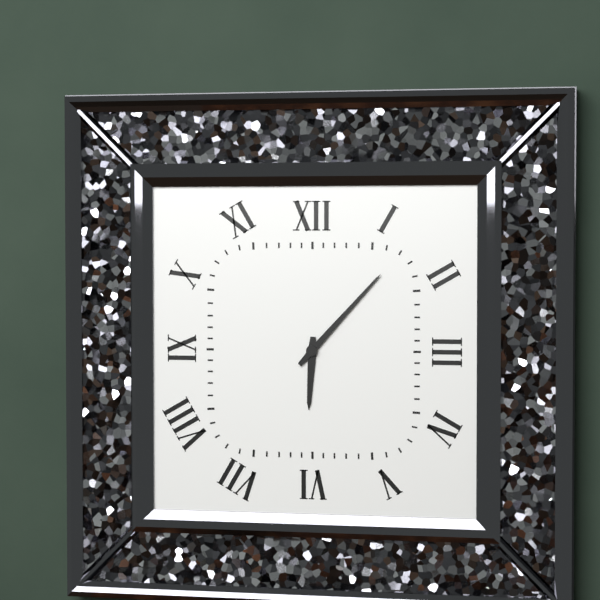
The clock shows **6:07**
